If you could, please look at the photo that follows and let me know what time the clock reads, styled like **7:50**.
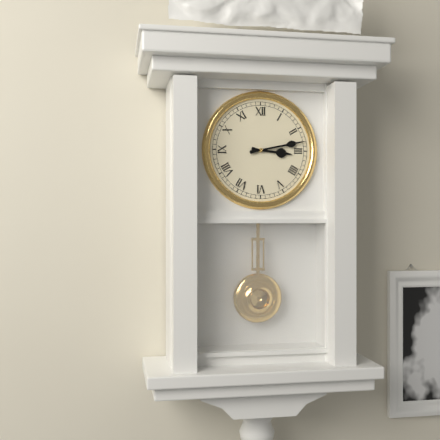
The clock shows **3:13**
